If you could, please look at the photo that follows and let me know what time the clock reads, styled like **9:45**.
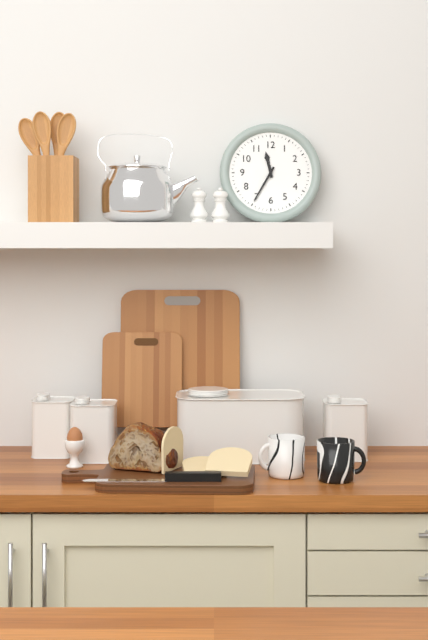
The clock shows **11:35**
